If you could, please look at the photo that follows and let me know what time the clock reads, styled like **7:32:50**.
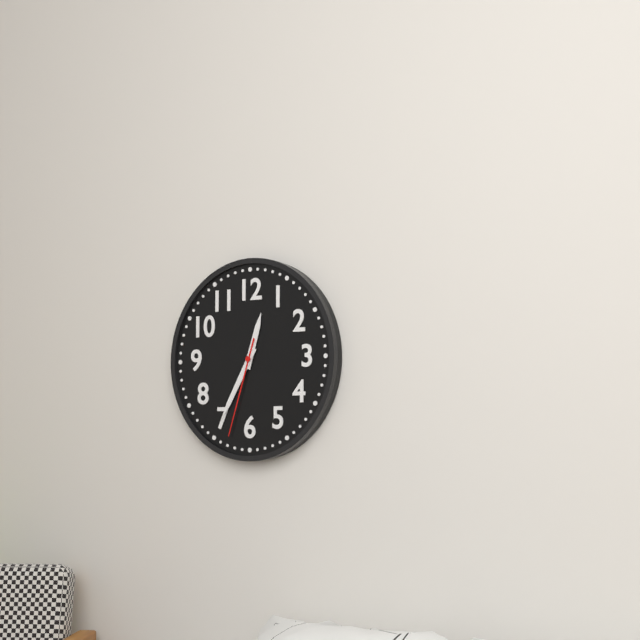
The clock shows **12:35:33**
